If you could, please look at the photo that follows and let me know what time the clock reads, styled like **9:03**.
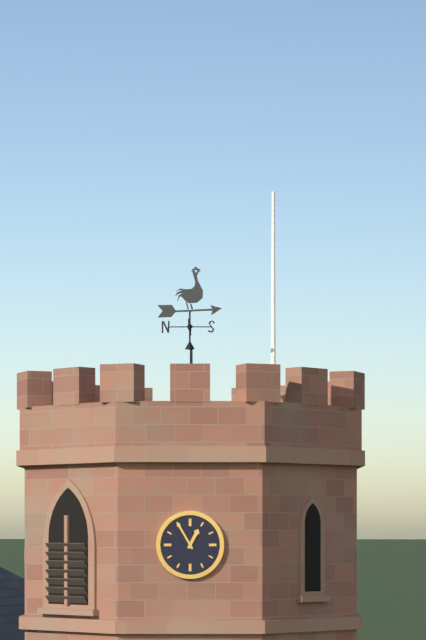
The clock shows **12:55**
